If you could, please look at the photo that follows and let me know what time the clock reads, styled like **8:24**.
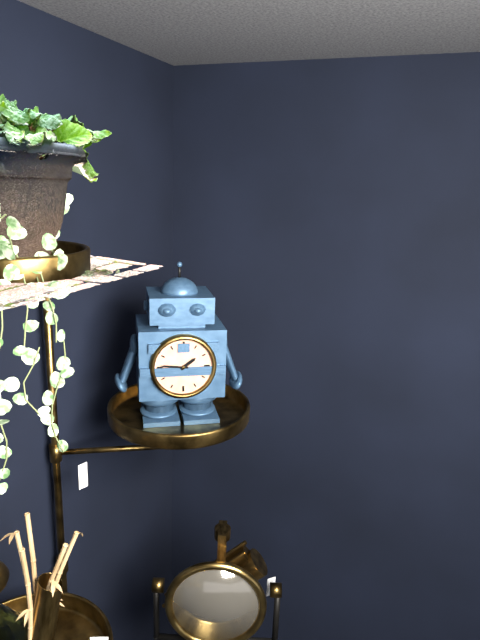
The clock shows **1:46**
